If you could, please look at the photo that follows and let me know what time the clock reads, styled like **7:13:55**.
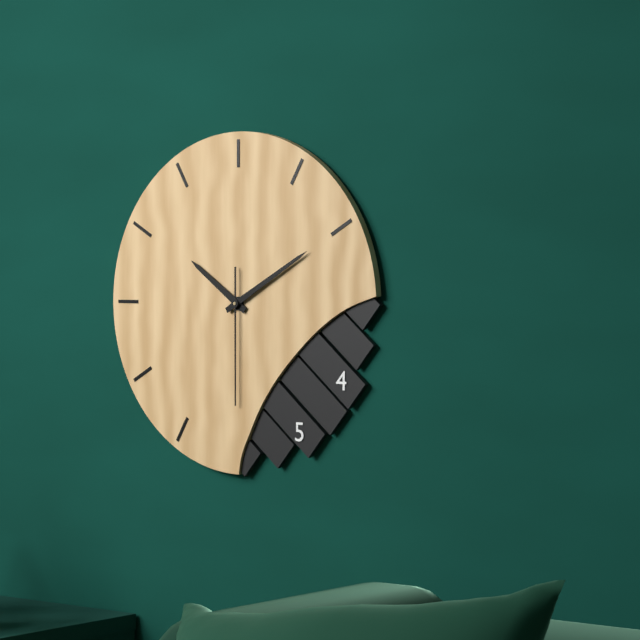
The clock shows **10:10:30**
